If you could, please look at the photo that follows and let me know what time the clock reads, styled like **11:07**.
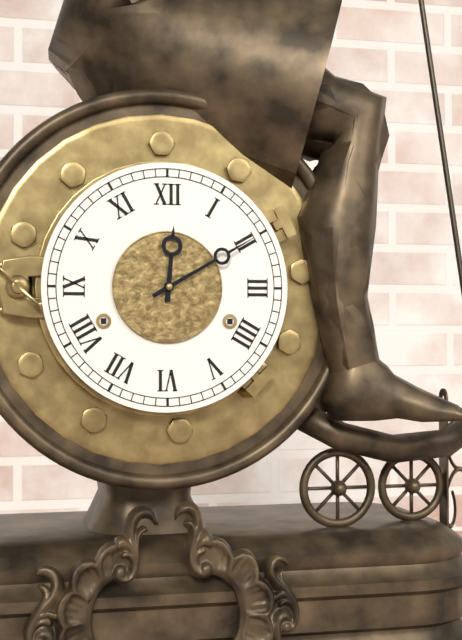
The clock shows **12:10**
